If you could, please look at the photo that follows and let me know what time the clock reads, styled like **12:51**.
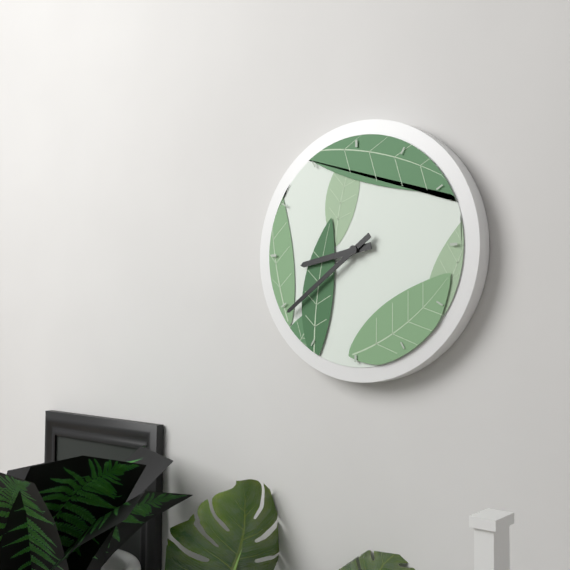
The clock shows **8:39**
